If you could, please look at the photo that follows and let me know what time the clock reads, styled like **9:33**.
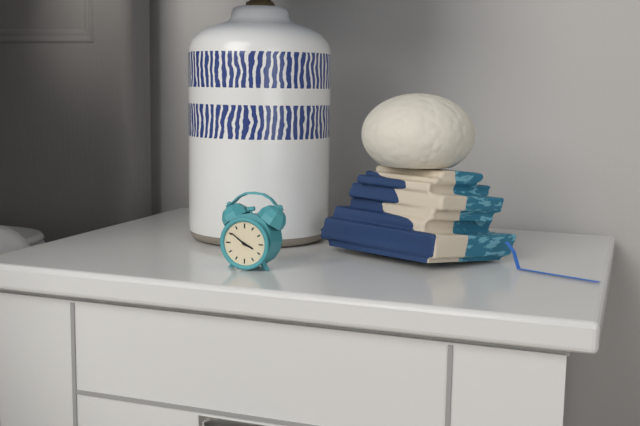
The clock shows **3:51**
